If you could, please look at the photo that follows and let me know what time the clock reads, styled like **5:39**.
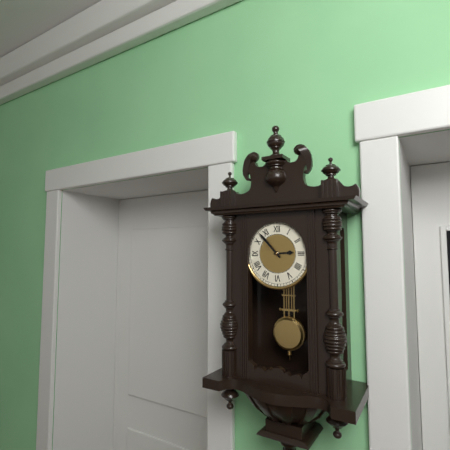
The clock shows **2:53**
